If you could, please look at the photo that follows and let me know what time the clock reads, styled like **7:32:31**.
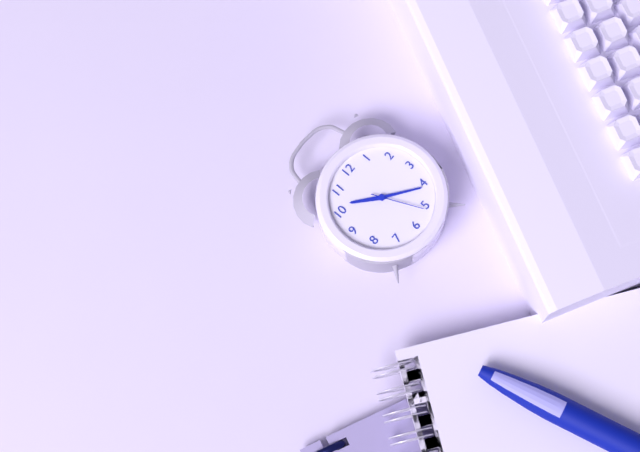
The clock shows **10:21:26**
